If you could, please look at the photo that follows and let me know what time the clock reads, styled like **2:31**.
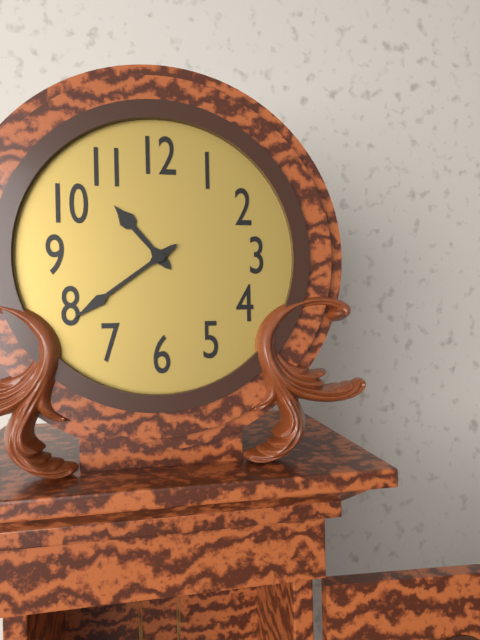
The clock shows **10:39**
